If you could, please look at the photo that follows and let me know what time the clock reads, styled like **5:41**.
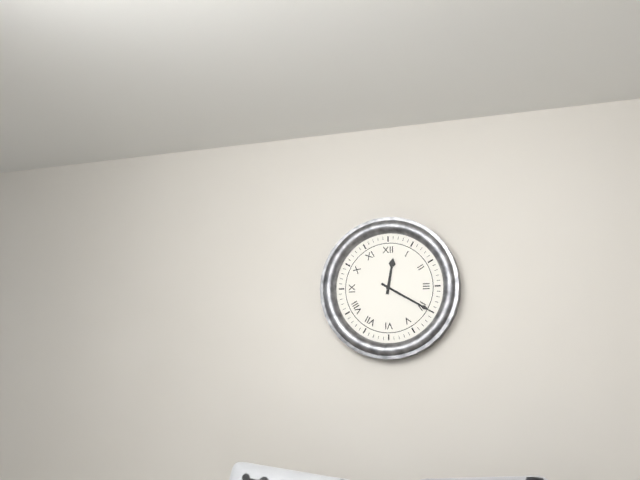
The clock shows **12:20**
